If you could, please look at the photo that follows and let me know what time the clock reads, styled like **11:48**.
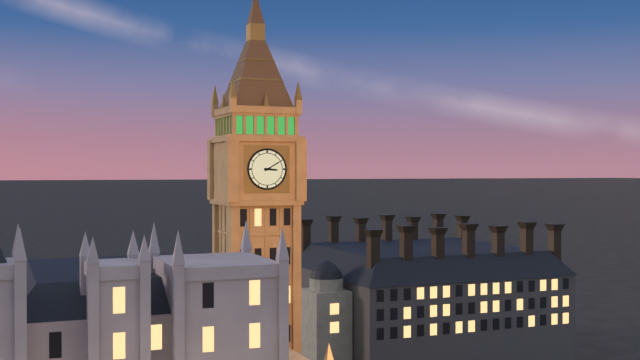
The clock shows **3:10**
